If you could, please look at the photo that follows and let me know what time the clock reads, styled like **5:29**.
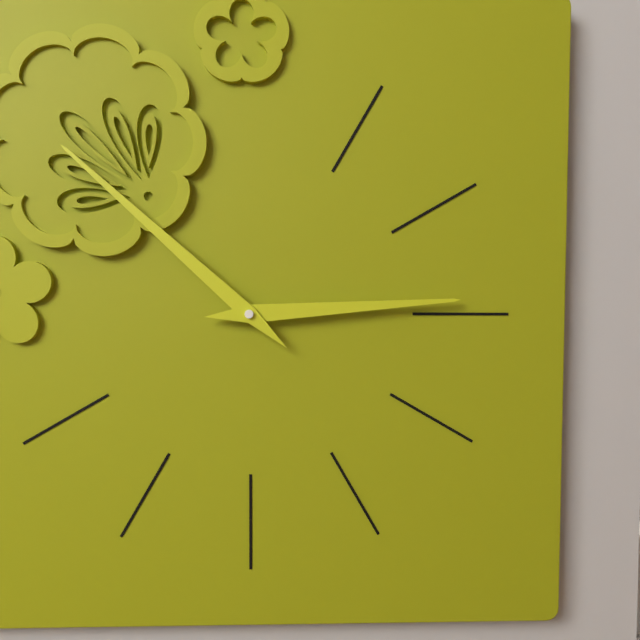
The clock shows **2:52**
